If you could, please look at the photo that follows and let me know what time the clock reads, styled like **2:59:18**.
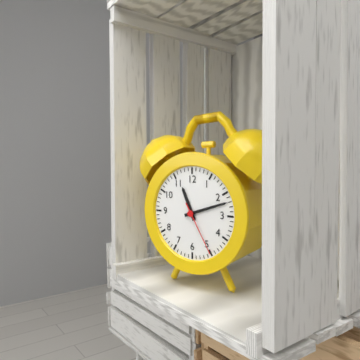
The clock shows **11:12:25**
